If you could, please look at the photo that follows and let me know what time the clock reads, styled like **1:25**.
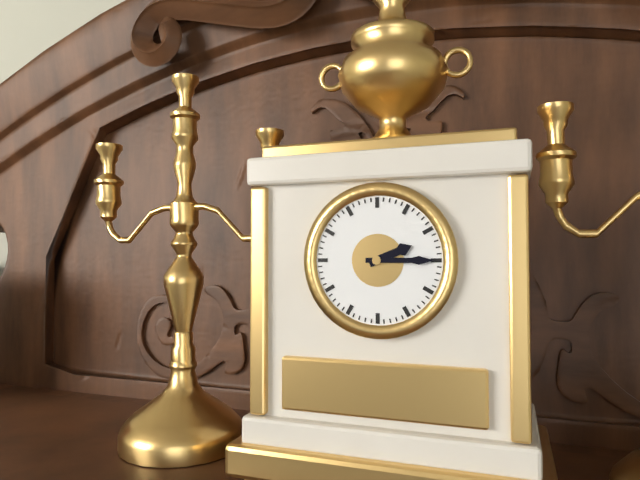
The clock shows **2:15**
